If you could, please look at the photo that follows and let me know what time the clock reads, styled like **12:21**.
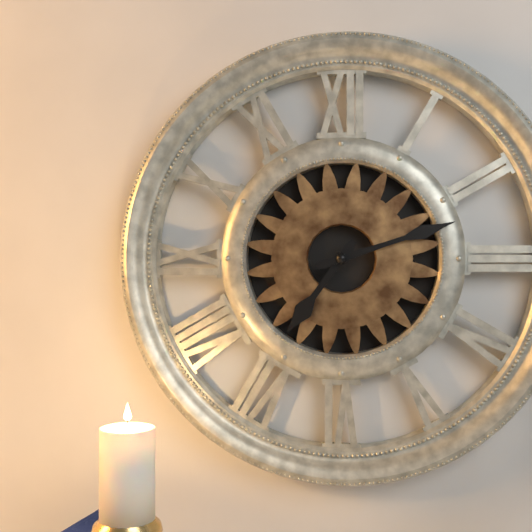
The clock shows **7:12**
